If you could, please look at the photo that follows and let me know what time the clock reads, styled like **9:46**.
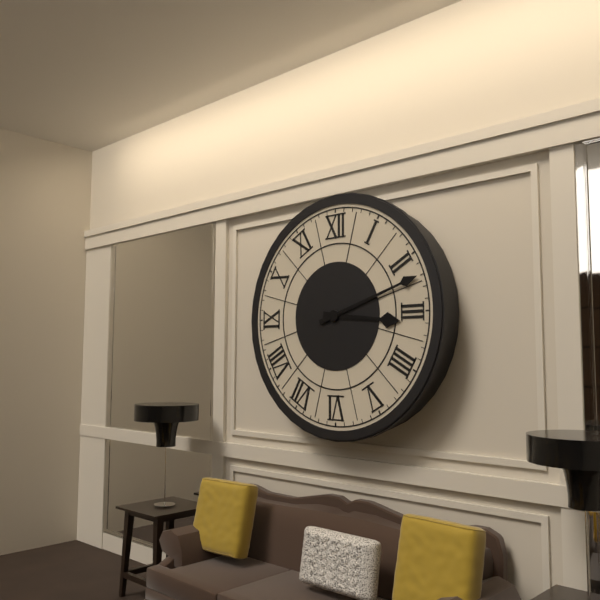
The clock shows **3:12**
